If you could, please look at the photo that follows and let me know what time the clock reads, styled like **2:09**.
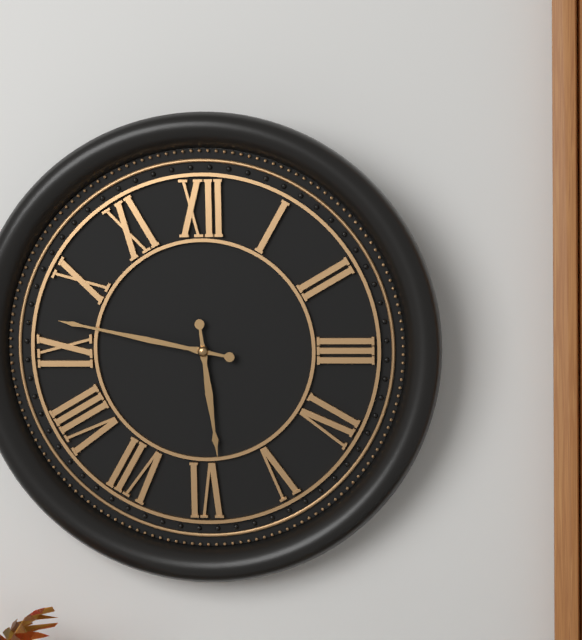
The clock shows **5:47**
